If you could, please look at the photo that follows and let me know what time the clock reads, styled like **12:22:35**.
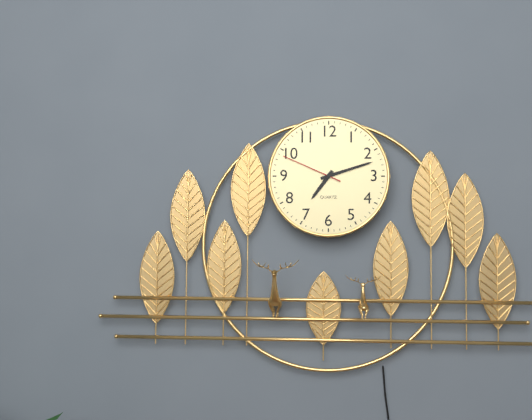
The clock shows **7:12:49**
